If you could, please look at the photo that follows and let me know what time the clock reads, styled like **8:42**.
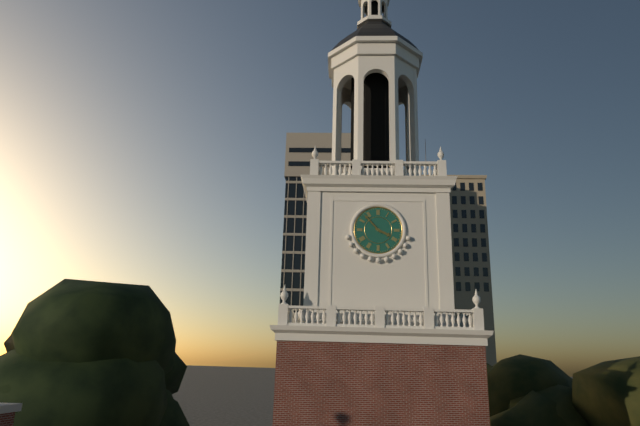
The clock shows **3:53**
